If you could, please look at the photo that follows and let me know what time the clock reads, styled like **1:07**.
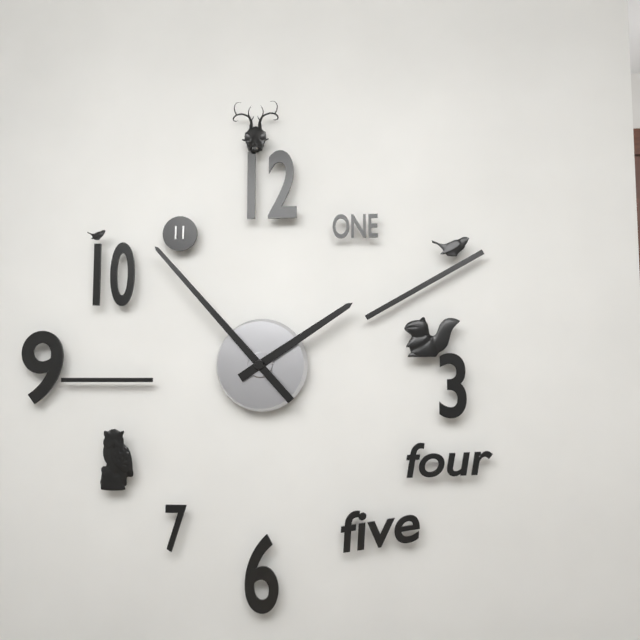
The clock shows **1:53**
